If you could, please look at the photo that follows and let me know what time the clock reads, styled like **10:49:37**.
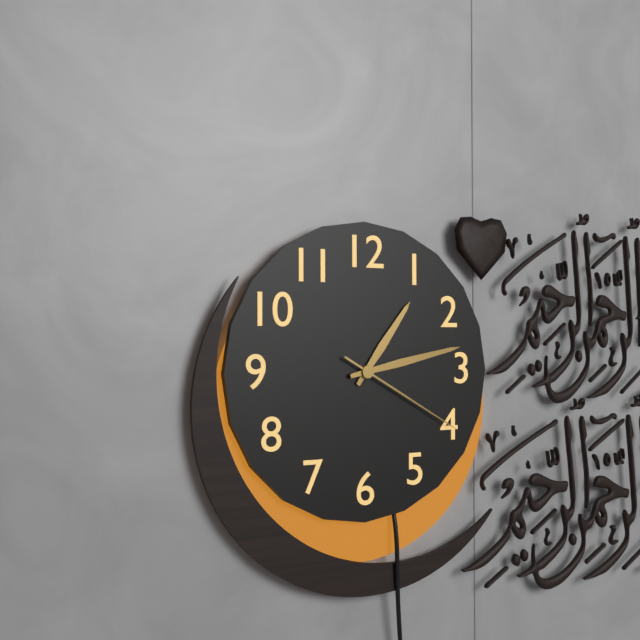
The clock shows **1:13:20**
